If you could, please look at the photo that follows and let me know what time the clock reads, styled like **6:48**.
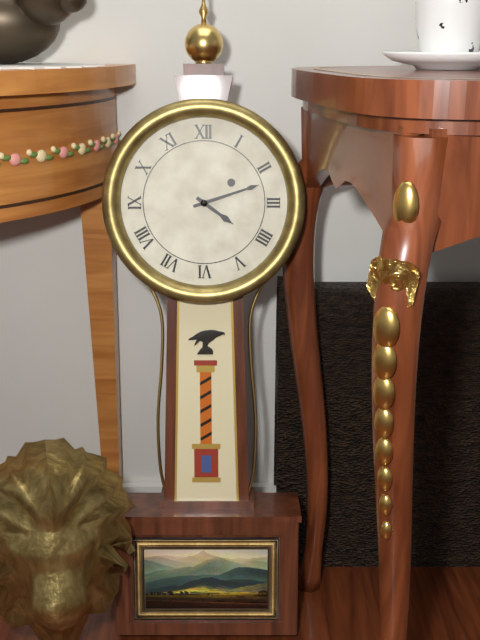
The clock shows **4:12**
